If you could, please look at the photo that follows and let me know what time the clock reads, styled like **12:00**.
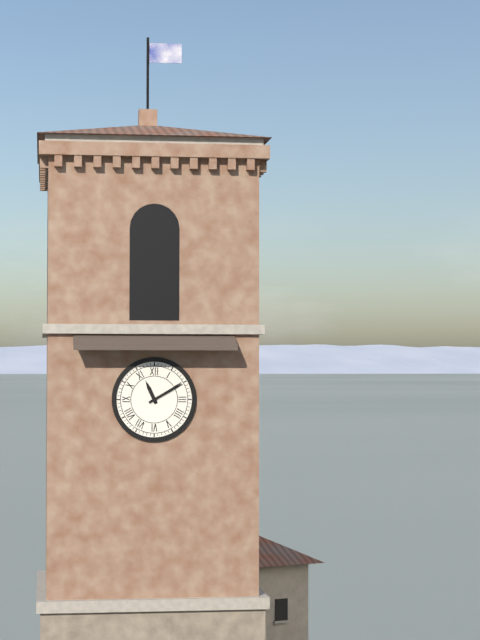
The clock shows **11:10**
